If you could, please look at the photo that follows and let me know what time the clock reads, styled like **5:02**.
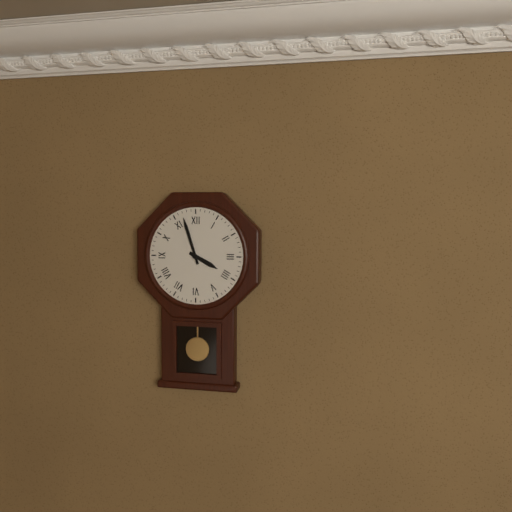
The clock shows **3:57**
